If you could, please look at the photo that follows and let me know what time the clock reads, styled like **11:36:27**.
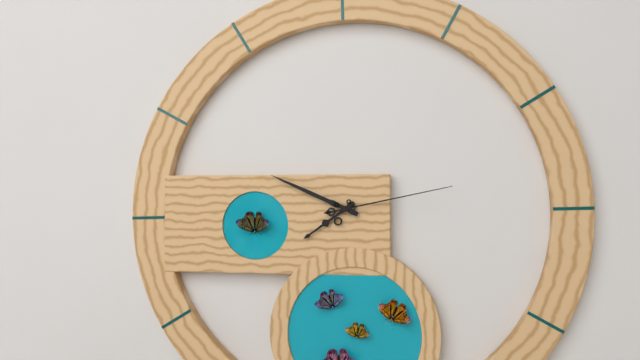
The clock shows **7:49:13**
